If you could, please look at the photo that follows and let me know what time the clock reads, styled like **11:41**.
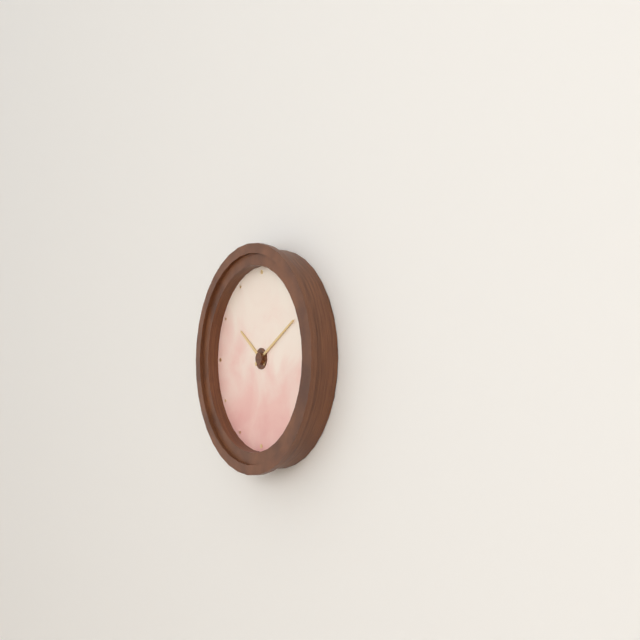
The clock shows **10:10**
